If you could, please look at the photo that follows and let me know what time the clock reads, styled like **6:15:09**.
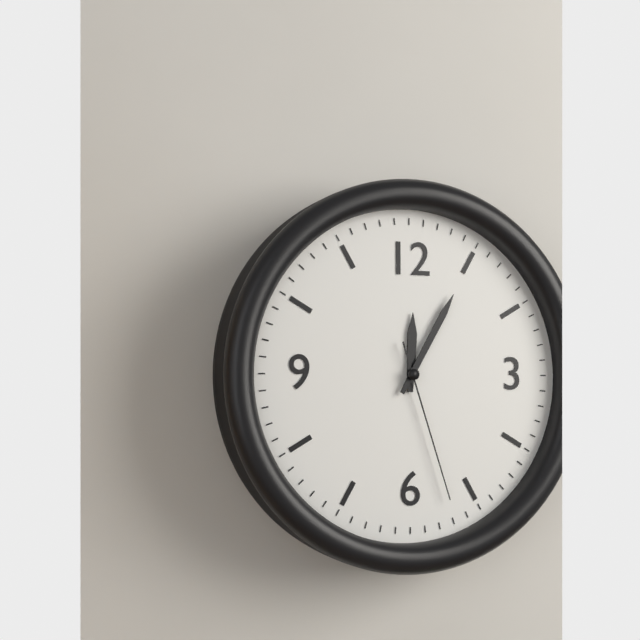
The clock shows **12:05:27**
